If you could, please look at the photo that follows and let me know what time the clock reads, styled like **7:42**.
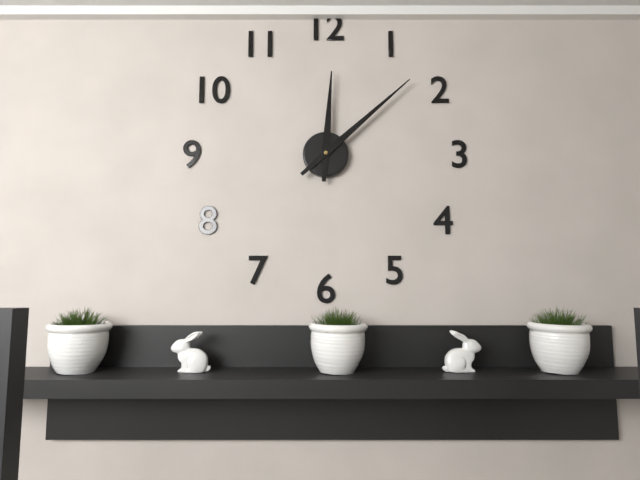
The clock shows **12:08**
